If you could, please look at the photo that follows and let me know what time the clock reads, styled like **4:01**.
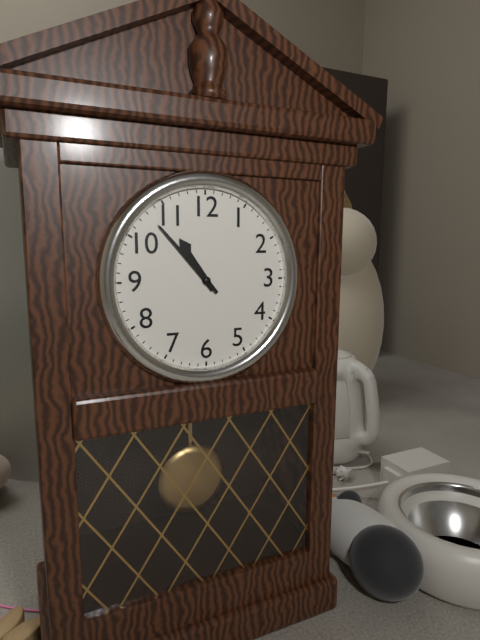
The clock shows **10:53**
